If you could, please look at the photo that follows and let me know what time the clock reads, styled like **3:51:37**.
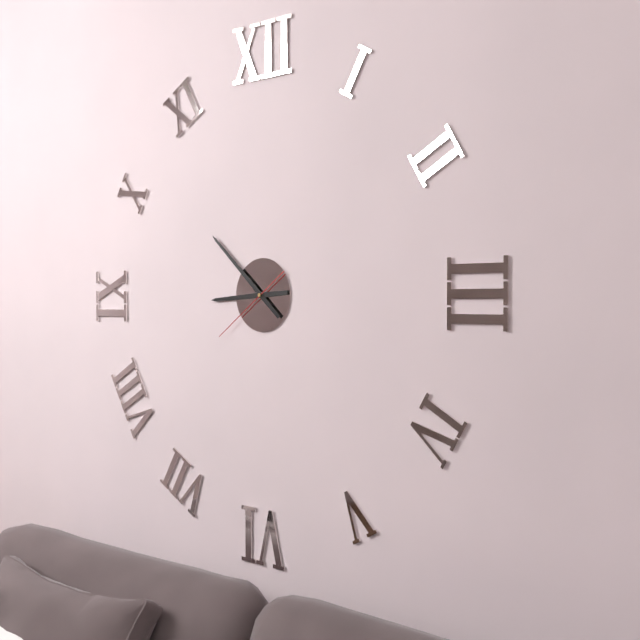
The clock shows **8:52:39**
